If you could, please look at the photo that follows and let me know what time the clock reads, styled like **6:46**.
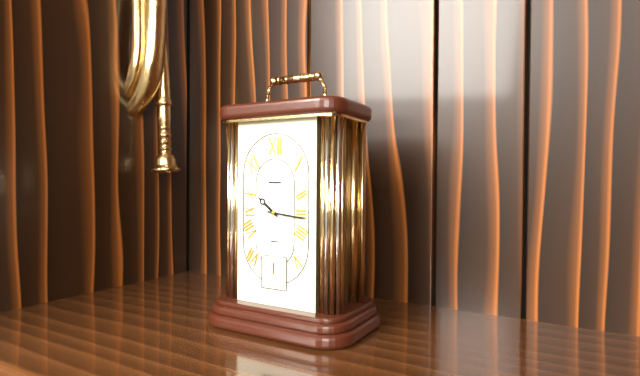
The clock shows **10:16**
